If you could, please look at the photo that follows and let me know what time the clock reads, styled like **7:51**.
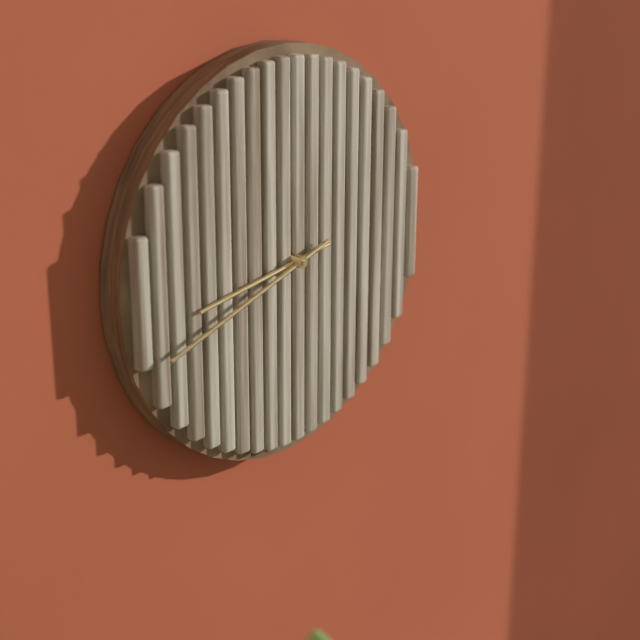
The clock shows **8:42**
